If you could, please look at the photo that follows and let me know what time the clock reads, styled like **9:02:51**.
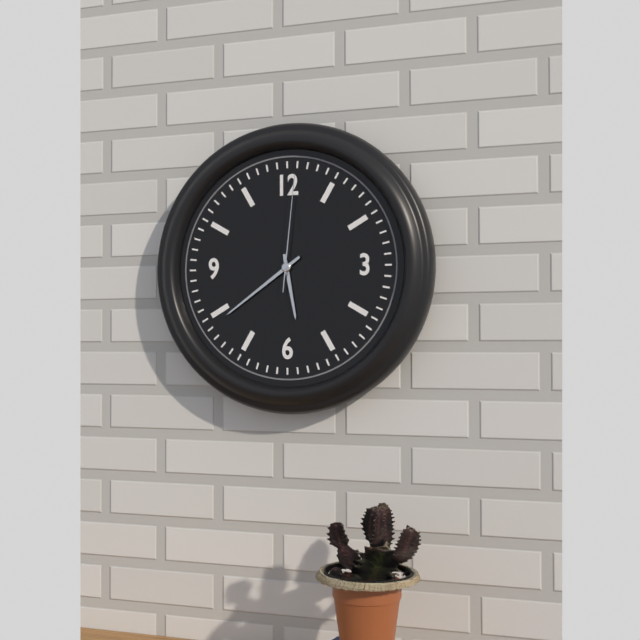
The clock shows **5:39:01**
